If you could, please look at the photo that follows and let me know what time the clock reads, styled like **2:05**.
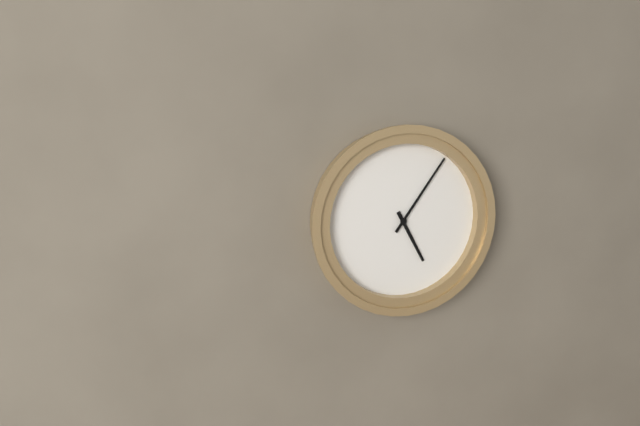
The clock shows **5:06**
